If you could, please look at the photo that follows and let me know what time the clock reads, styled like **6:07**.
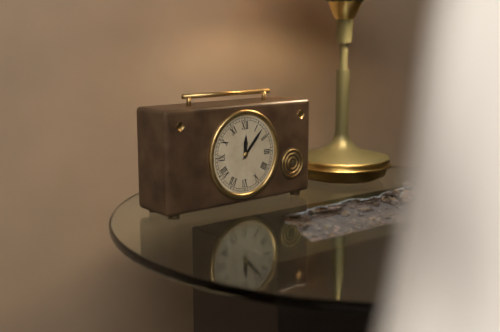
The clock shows **12:07**
